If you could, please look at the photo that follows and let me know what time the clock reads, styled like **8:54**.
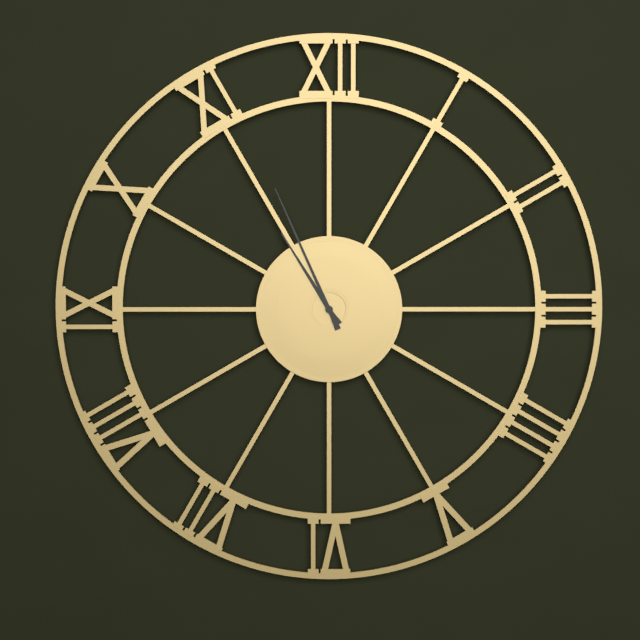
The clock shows **10:56**
